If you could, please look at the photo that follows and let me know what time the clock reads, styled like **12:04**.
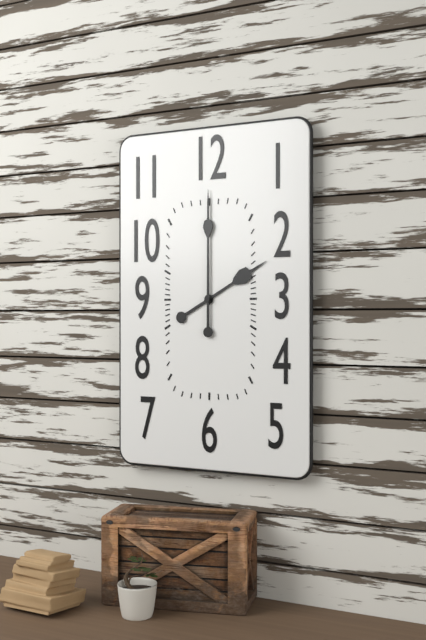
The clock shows **2:00**
